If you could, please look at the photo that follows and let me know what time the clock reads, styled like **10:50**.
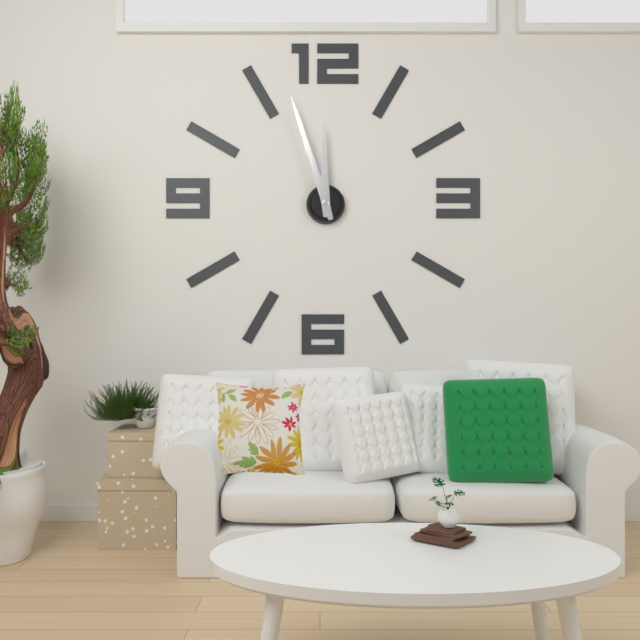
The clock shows **11:57**
